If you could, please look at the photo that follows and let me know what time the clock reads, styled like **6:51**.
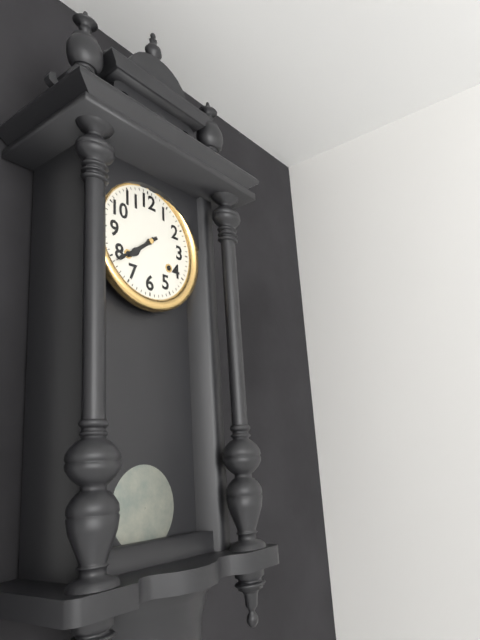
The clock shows **7:39**
